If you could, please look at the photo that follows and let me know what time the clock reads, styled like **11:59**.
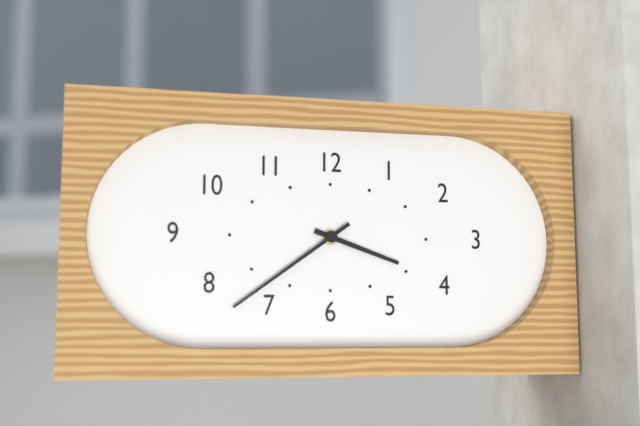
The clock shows **3:39**
